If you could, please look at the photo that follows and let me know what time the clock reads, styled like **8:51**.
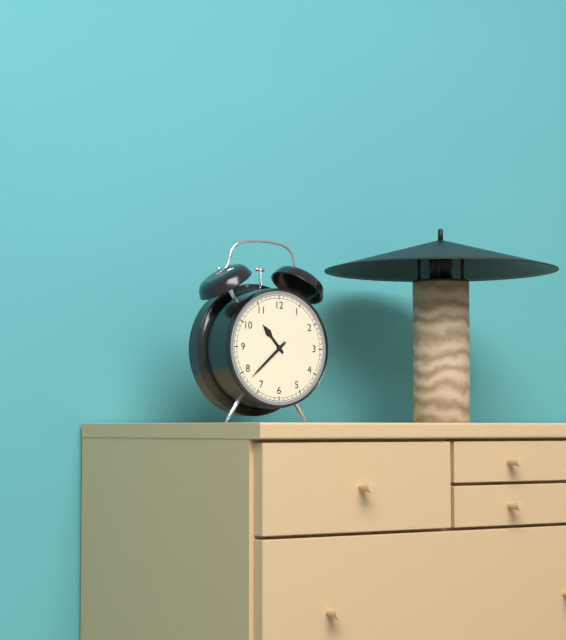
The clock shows **10:38**
